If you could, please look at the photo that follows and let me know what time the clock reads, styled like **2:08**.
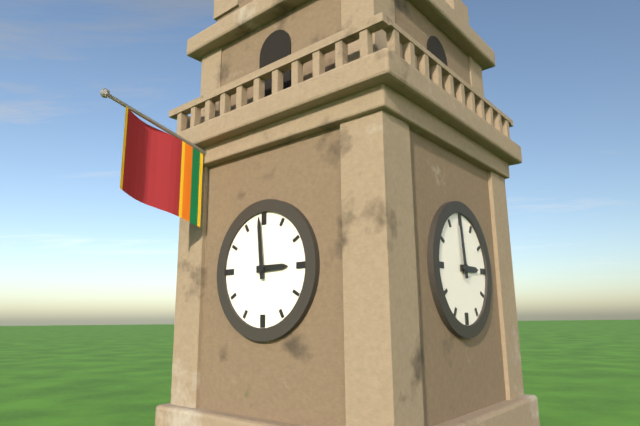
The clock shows **2:59**
